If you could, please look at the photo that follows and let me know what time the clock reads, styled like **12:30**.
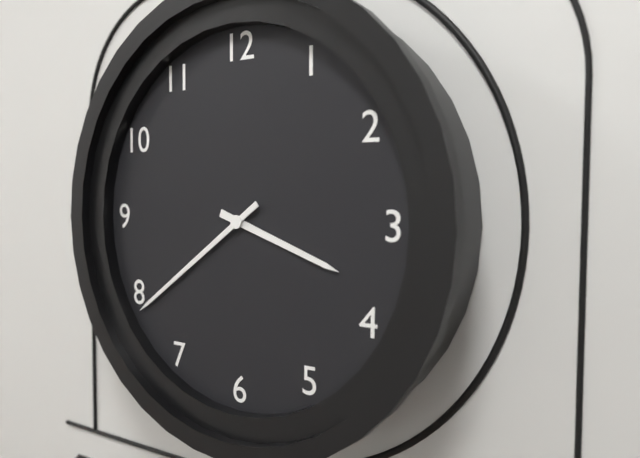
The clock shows **3:39**
